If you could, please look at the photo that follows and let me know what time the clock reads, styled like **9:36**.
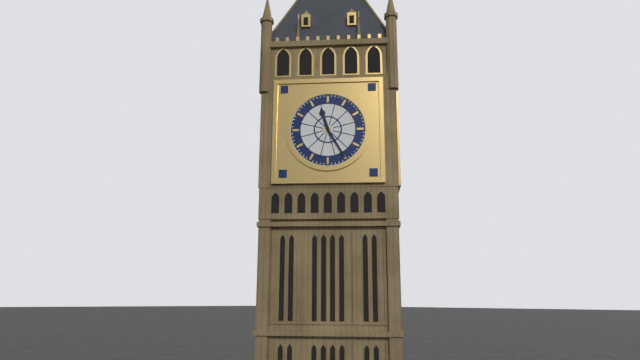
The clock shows **11:25**
